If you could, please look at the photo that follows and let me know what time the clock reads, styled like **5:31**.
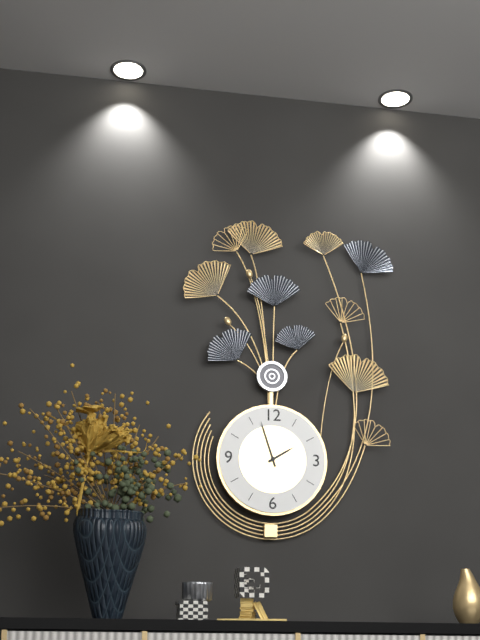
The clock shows **1:57**
